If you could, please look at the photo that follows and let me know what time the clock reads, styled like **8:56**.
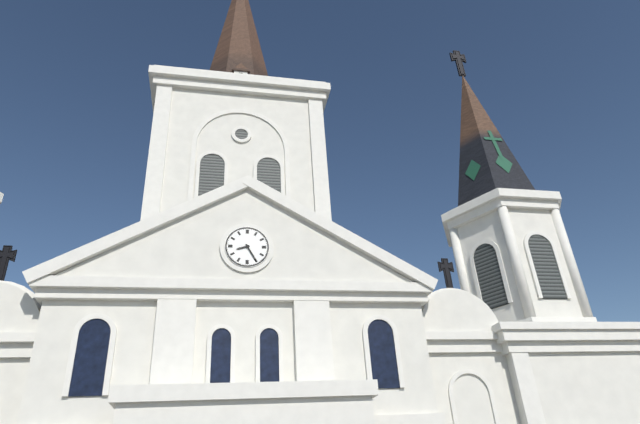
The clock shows **8:25**
